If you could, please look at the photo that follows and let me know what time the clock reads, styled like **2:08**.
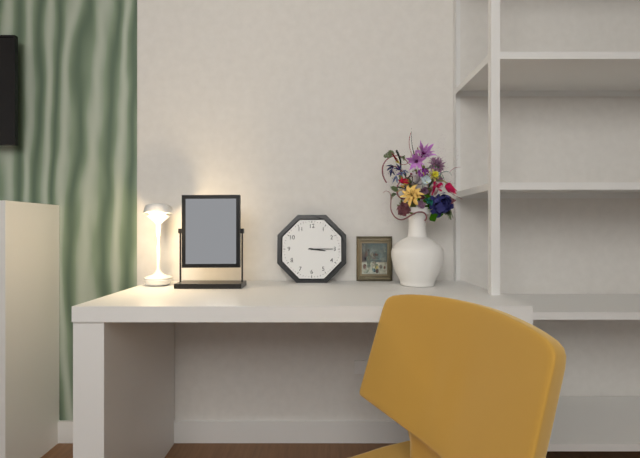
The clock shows **3:15**
